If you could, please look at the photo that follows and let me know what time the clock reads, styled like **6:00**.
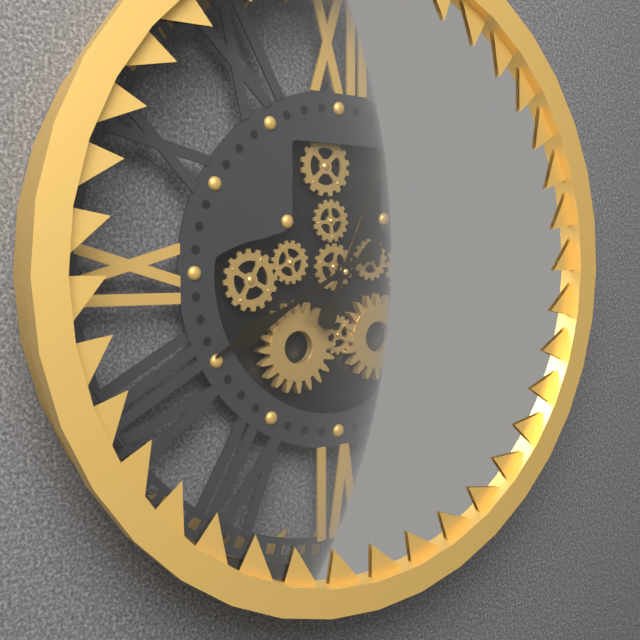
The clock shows **8:04**
